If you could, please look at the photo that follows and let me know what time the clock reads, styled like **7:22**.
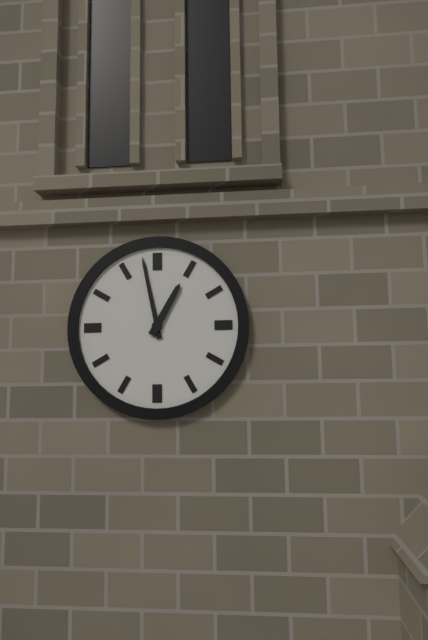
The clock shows **12:58**
